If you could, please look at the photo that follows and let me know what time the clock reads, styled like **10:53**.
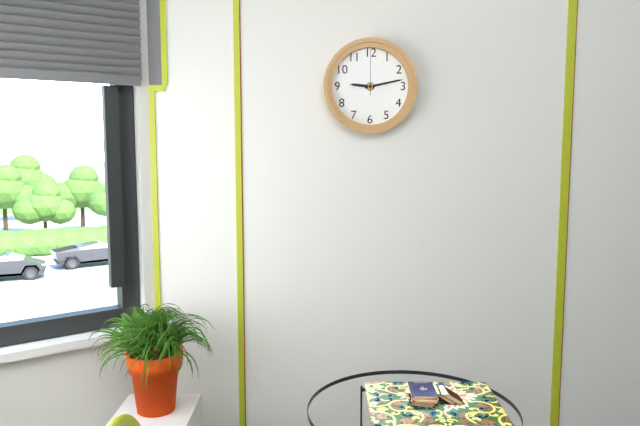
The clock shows **9:13**
